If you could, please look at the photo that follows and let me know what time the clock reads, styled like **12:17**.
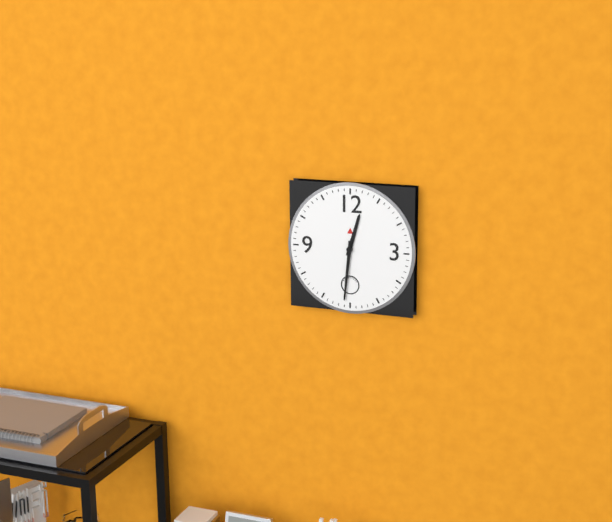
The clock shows **12:31**
